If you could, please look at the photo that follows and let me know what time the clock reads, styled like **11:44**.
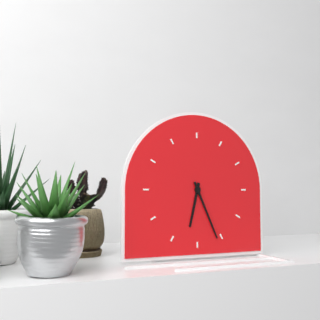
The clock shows **6:26**
